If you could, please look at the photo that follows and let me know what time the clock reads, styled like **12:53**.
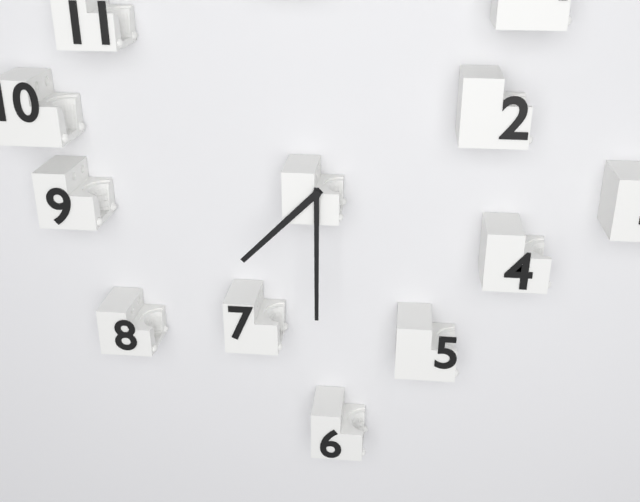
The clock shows **7:30**
